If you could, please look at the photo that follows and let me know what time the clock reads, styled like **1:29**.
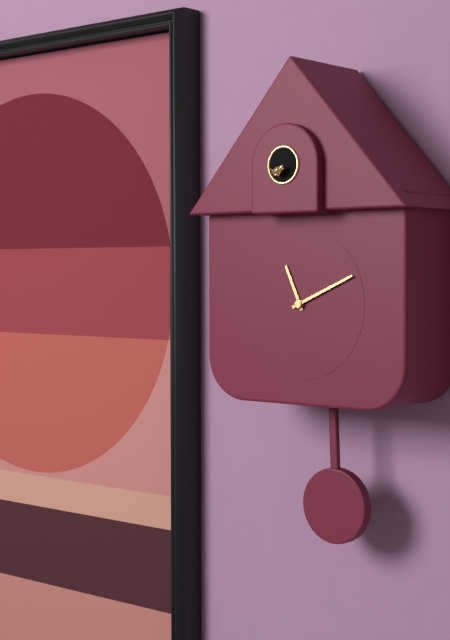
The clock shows **11:11**
